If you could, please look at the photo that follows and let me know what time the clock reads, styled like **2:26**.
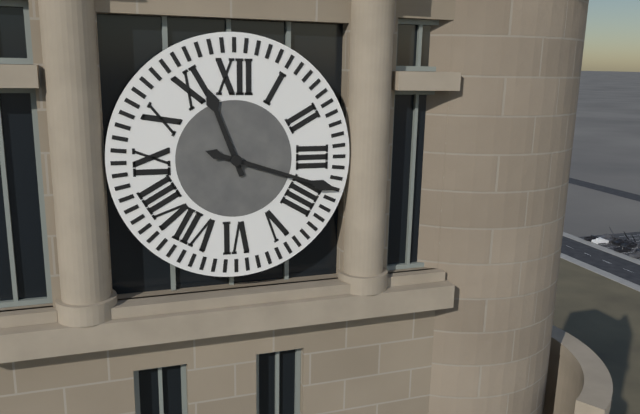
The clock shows **11:18**
